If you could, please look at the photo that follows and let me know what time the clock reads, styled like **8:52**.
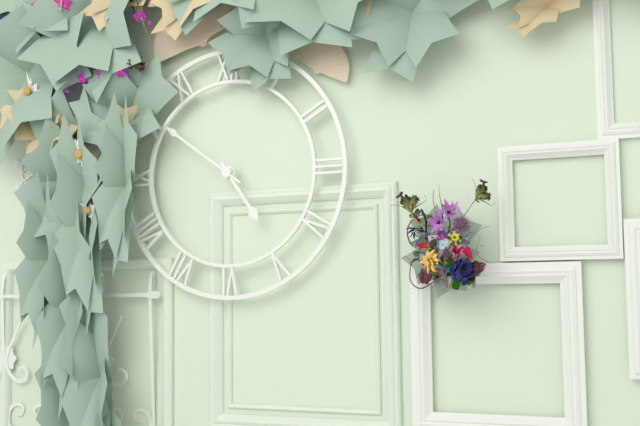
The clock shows **4:51**
